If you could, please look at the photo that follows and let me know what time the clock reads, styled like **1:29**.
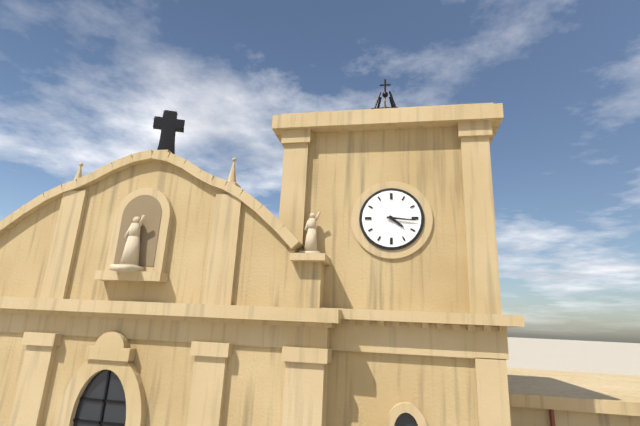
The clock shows **4:16**
